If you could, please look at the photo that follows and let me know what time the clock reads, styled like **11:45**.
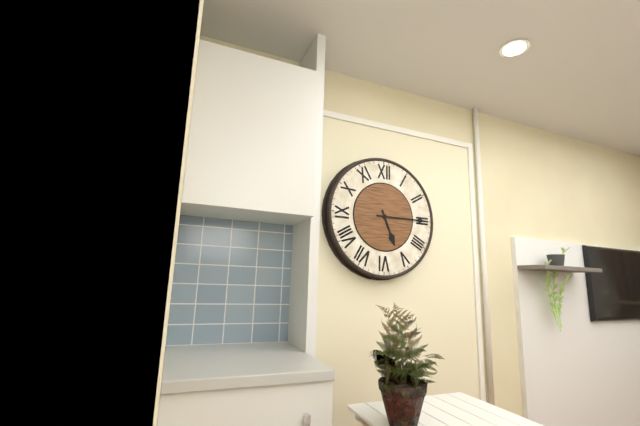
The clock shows **5:15**
